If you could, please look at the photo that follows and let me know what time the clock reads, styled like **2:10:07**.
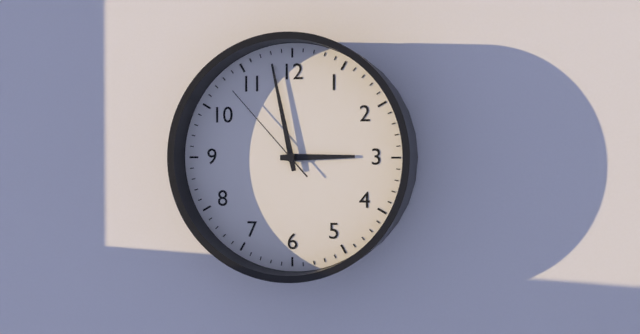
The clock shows **2:58:53**
